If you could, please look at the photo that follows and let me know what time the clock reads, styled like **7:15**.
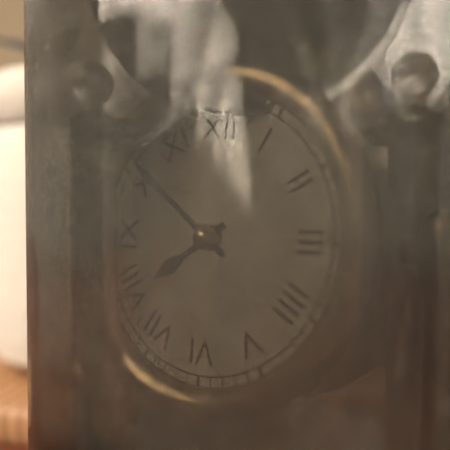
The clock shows **7:51**
